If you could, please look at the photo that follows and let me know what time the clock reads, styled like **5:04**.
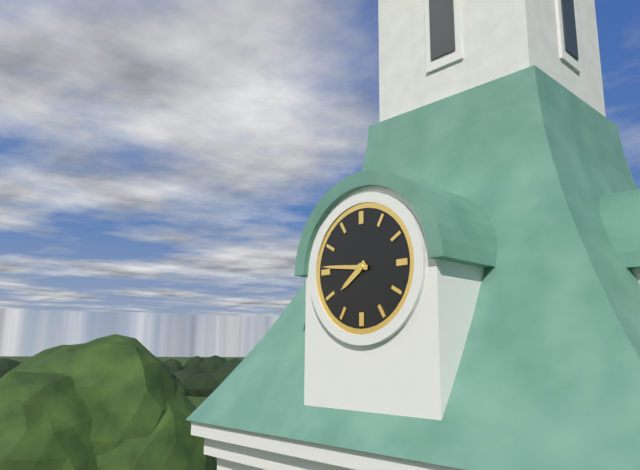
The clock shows **7:46**
